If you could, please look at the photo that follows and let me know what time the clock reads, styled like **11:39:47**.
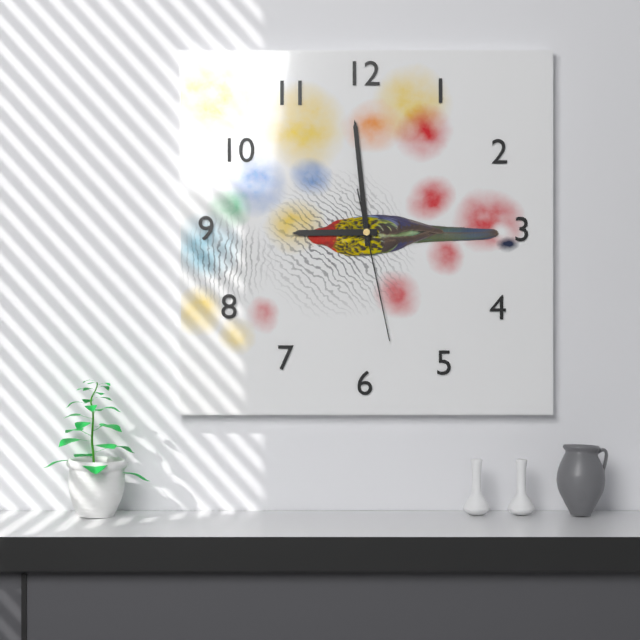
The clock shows **8:59:28**
